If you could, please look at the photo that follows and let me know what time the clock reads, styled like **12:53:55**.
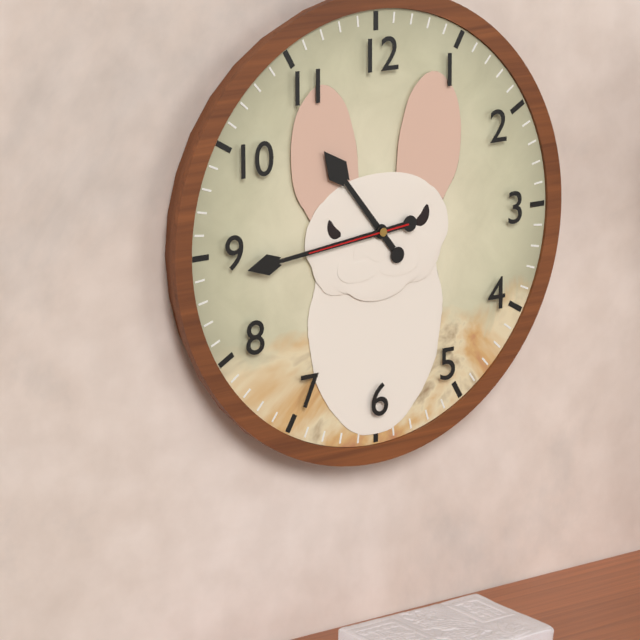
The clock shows **10:44:44**
